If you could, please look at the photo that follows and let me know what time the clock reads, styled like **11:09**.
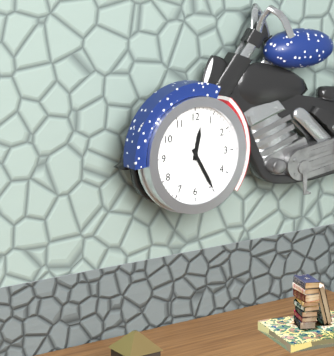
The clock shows **12:25**
